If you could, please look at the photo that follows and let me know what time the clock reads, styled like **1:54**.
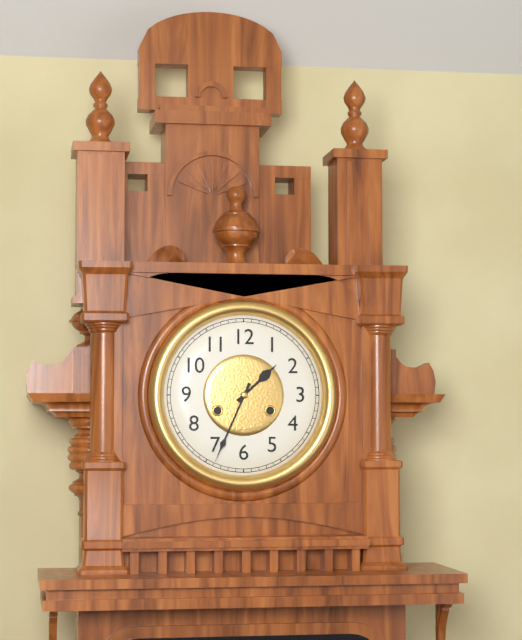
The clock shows **1:34**
